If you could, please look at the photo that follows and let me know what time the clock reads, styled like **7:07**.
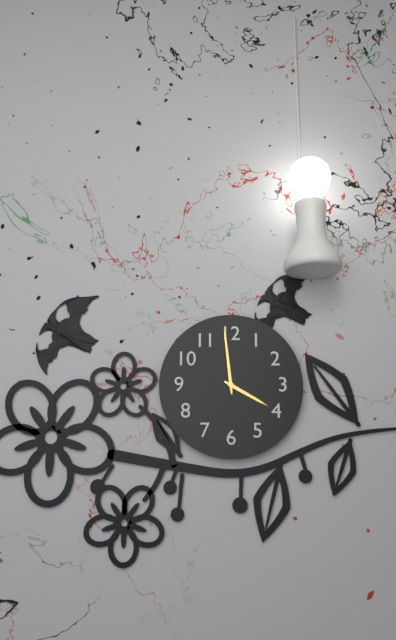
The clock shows **3:59**
